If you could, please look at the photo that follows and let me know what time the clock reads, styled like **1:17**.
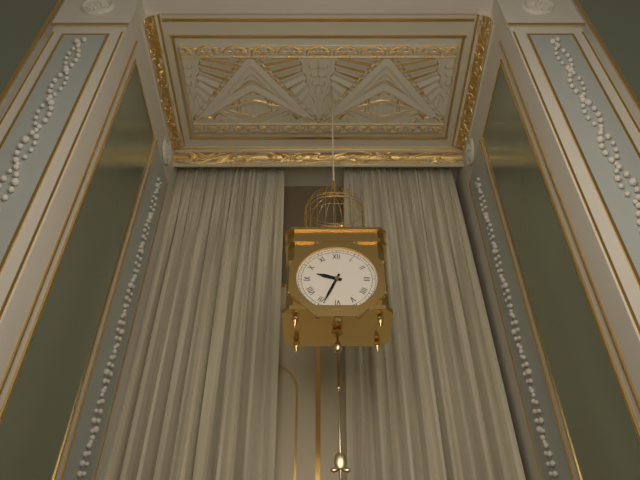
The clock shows **9:34**
